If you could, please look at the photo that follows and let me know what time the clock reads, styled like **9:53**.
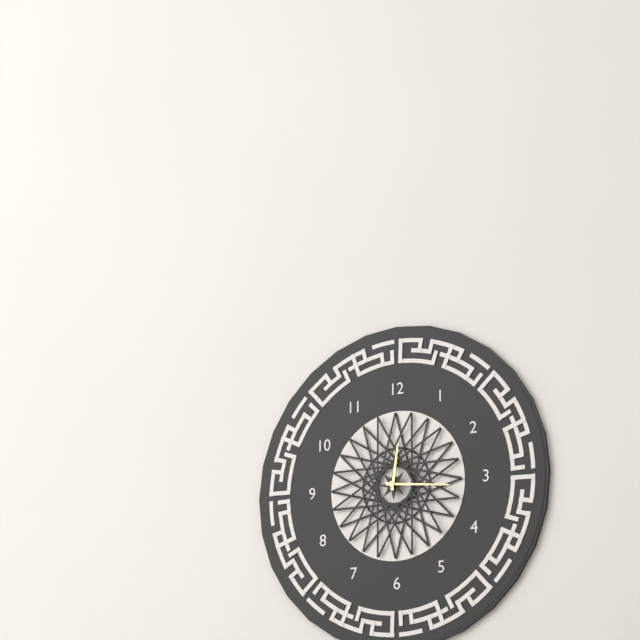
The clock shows **12:16**
